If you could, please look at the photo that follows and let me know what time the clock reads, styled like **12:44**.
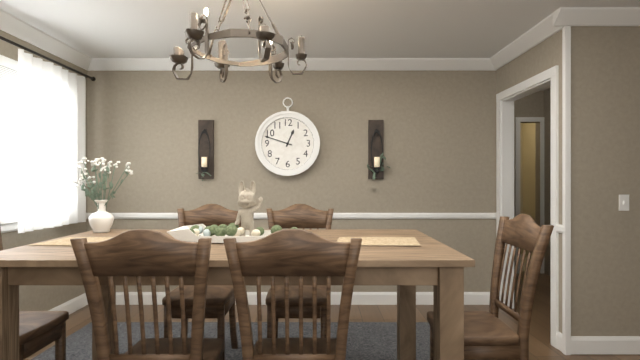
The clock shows **12:48**
